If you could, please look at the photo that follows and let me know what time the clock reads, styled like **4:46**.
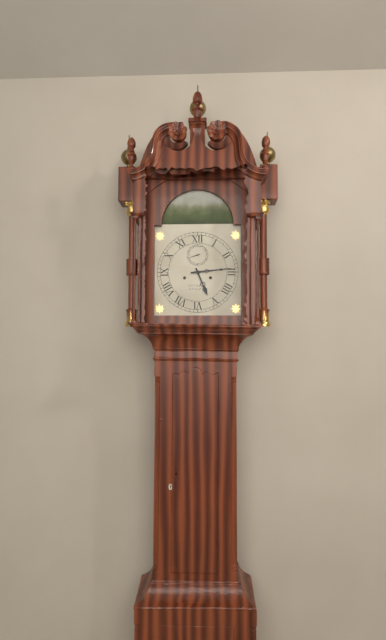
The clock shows **5:14**
